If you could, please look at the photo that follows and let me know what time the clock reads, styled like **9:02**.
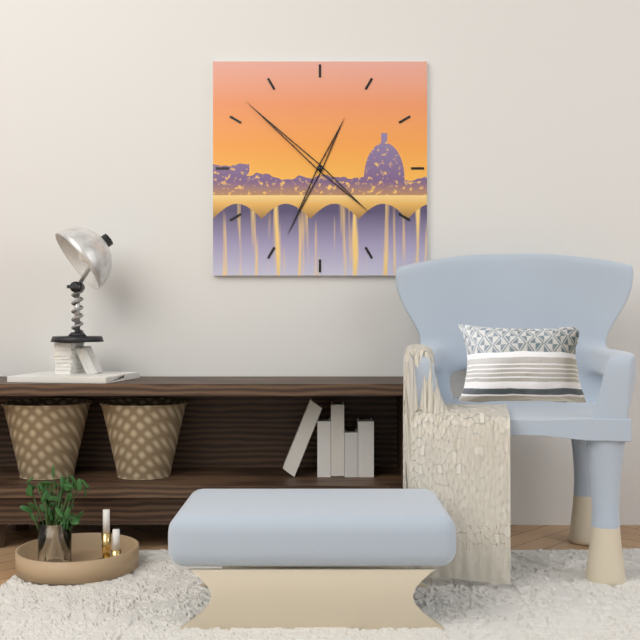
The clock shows **6:52**
